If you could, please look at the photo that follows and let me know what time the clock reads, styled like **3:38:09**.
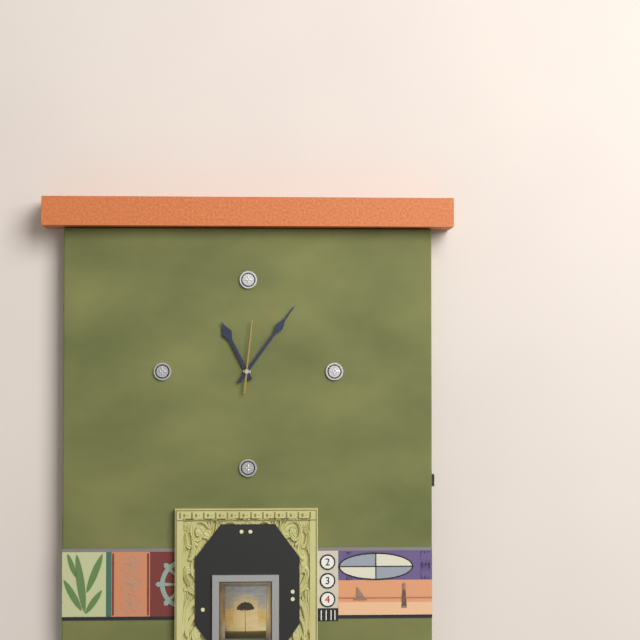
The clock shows **11:06:01**
